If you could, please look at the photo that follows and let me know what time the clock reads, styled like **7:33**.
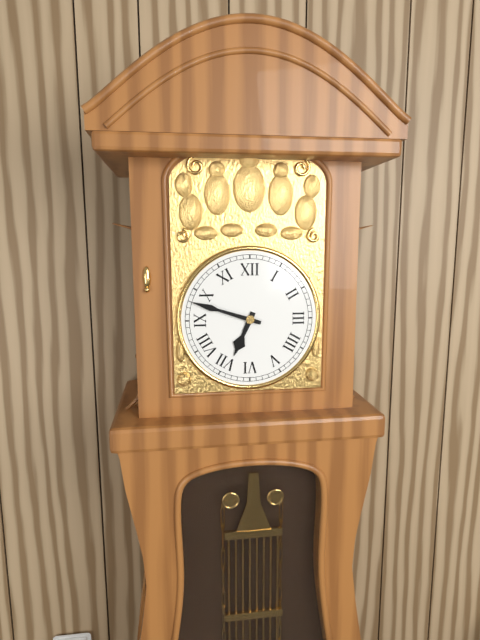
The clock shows **6:48**
